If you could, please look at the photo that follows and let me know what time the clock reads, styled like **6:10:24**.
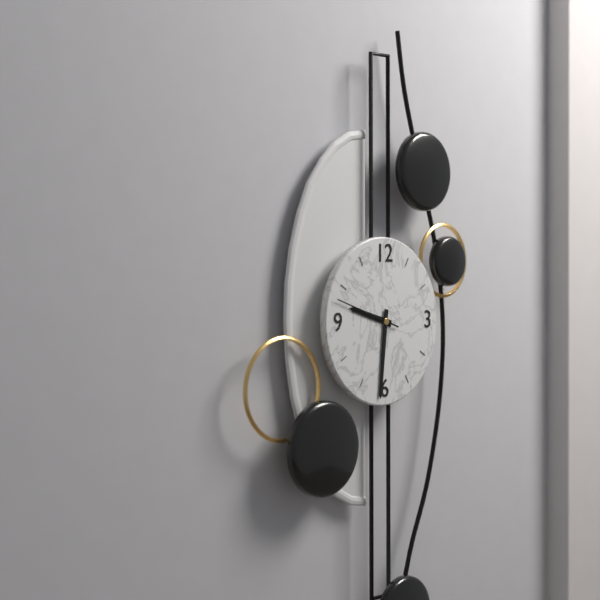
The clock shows **9:31:48**
